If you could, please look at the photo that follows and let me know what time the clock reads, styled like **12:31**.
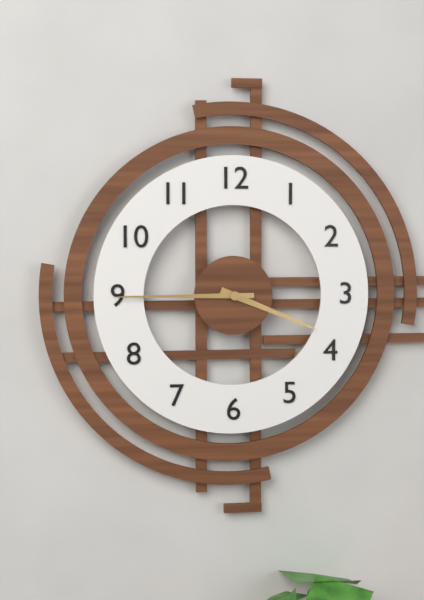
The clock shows **3:45**
